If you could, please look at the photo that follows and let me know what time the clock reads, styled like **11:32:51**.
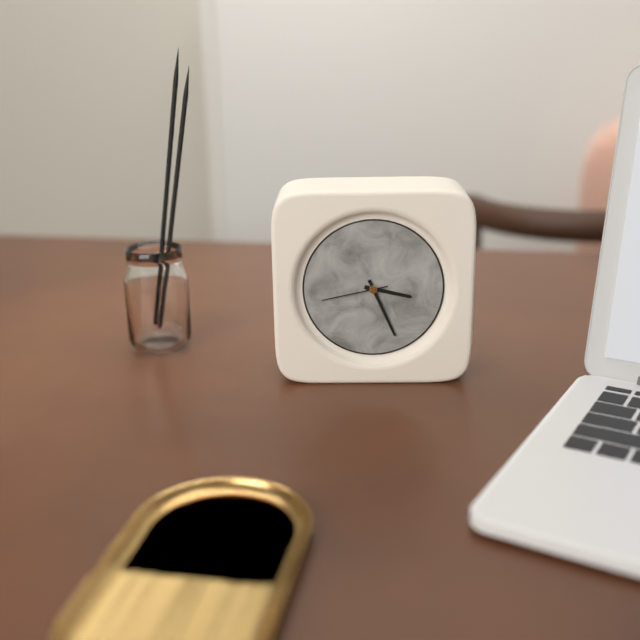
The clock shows **3:26:43**
